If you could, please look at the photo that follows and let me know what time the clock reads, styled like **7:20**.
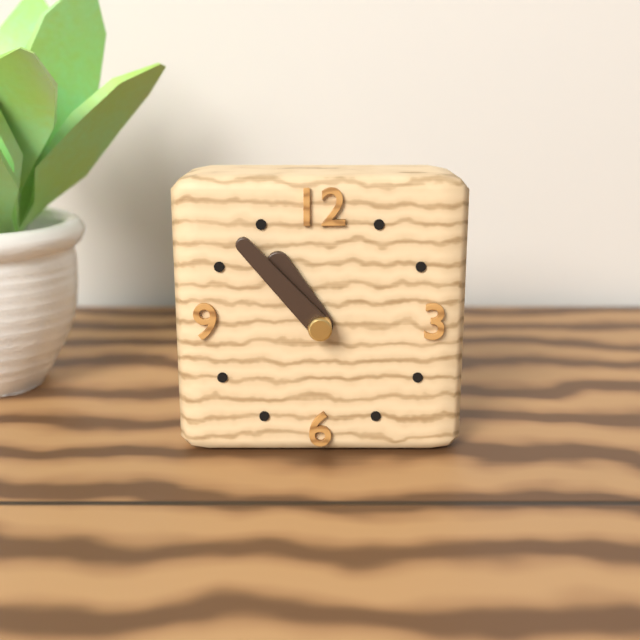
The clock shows **10:53**
